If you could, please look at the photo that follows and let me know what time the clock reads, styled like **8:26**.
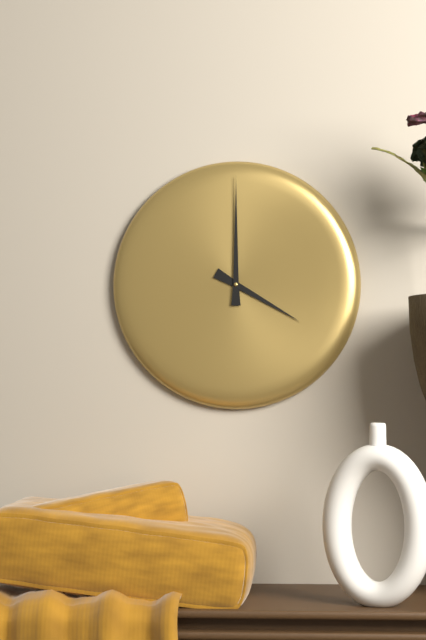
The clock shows **4:00**
